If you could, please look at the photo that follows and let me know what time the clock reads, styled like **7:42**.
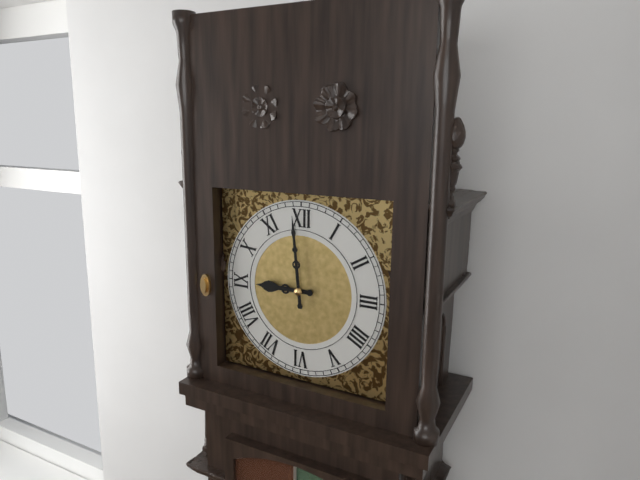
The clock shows **8:59**
